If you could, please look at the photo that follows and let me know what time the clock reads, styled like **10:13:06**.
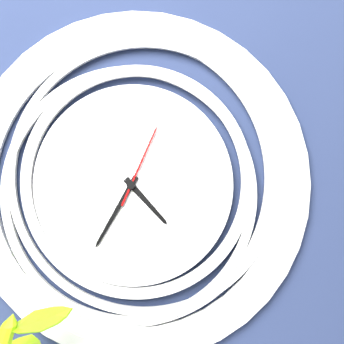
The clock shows **4:35:04**
